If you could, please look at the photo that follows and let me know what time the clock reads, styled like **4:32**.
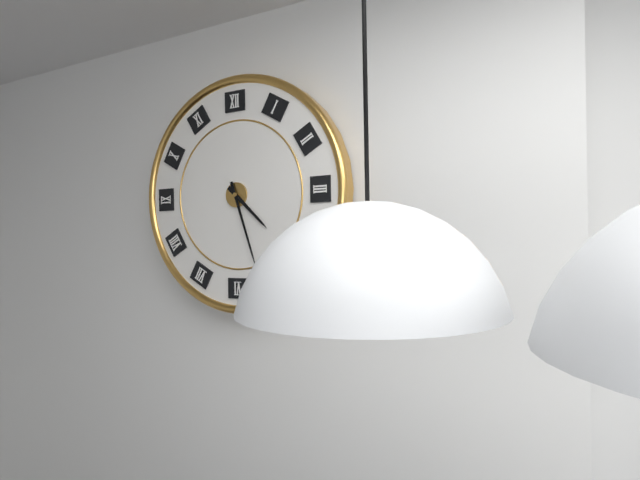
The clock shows **4:27**
